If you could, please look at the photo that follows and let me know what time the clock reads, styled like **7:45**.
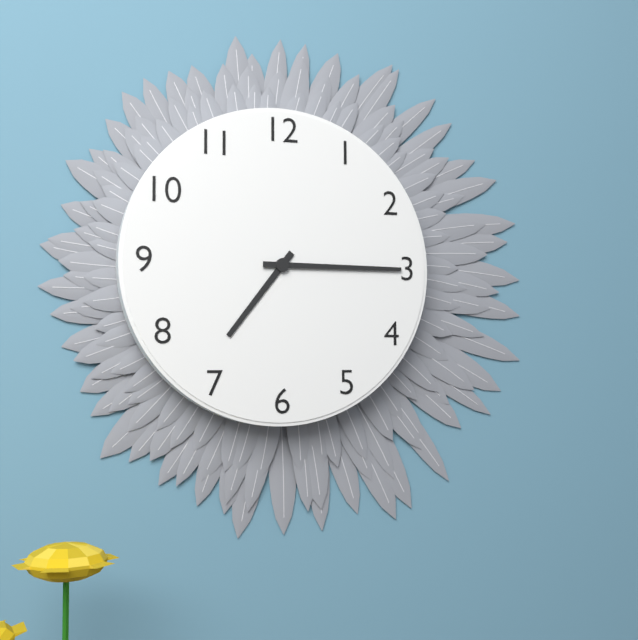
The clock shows **7:15**
